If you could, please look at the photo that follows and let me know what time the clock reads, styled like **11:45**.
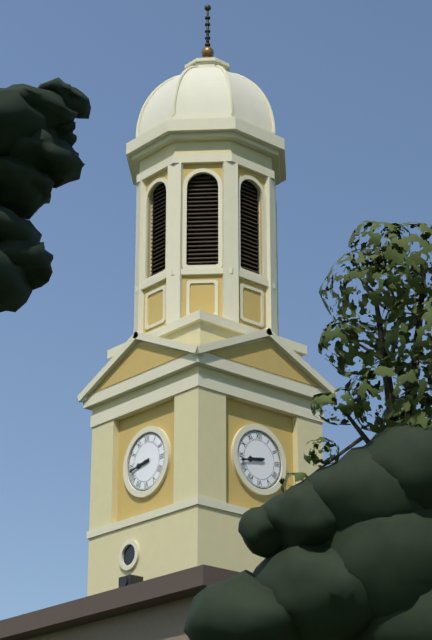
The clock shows **8:43**
